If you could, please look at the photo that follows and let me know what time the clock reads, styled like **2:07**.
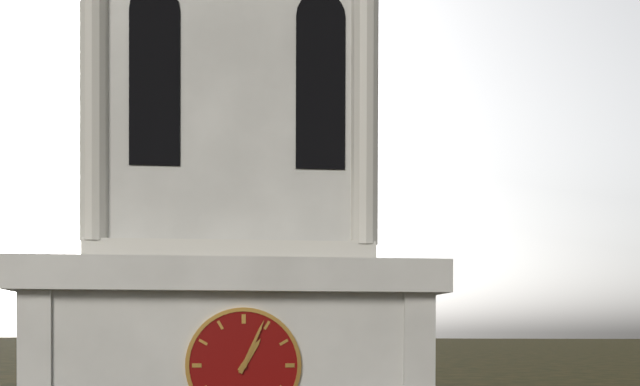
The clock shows **1:04**
